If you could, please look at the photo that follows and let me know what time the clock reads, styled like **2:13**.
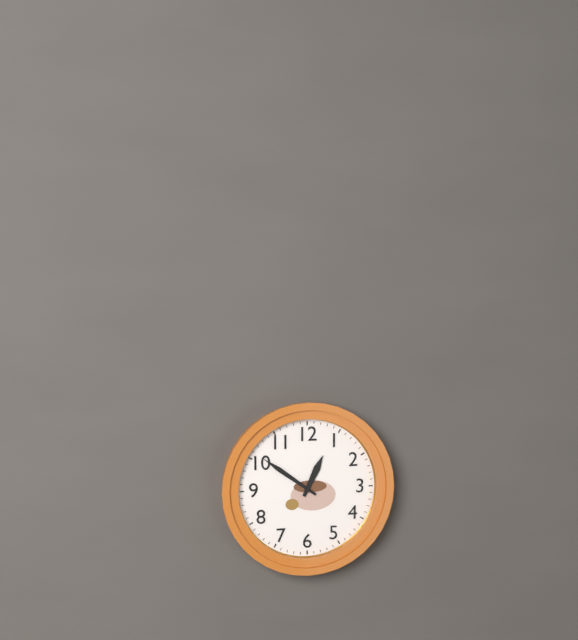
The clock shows **12:51**
